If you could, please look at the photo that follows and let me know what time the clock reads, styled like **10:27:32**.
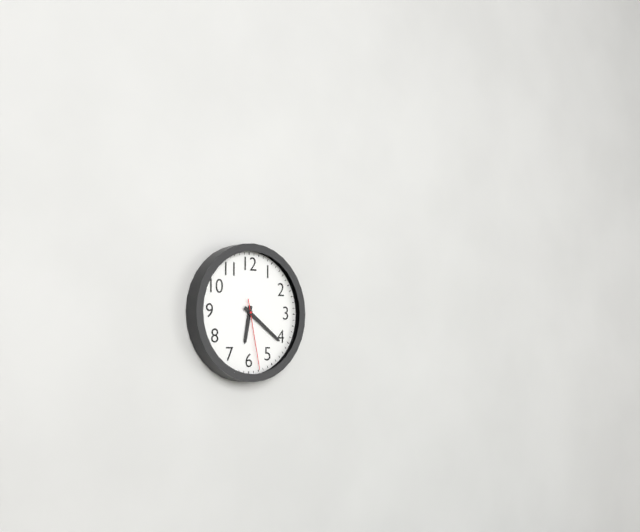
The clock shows **6:21:28**
